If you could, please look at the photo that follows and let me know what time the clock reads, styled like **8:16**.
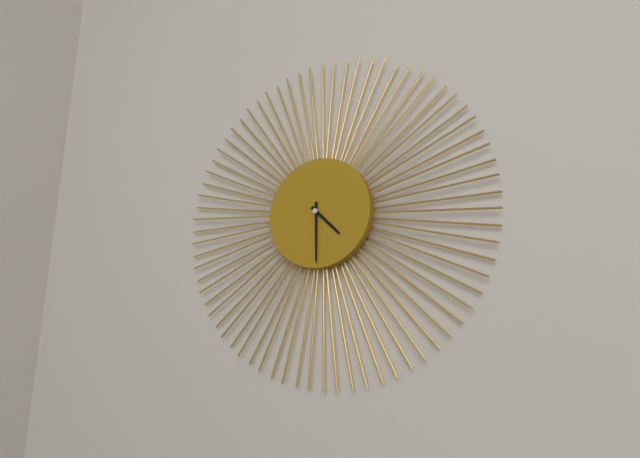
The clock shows **4:30**
